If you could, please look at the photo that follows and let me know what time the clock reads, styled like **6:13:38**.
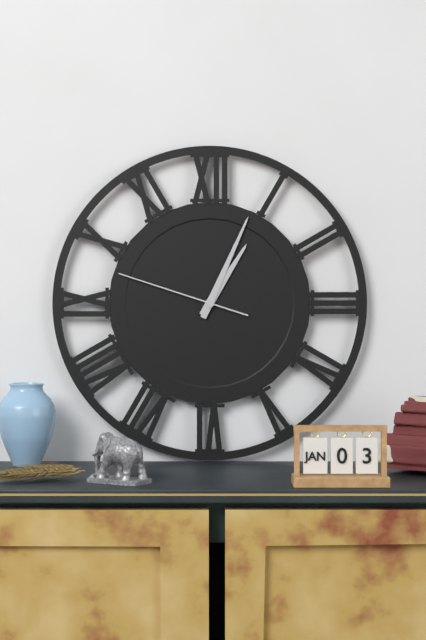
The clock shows **1:04:48**
